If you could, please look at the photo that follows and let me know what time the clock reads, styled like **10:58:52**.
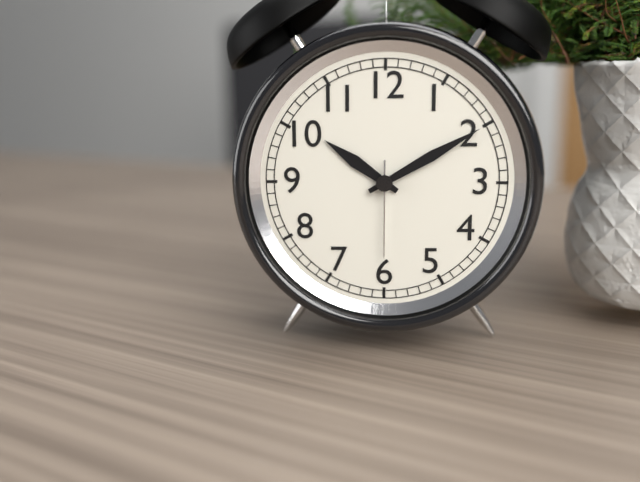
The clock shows **10:10:30**
